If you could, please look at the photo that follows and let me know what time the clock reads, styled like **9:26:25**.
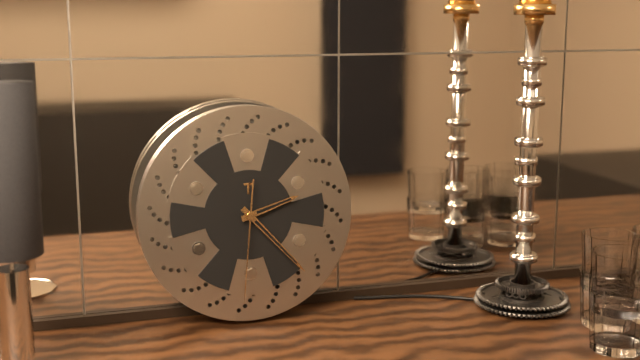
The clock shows **2:23:31**
